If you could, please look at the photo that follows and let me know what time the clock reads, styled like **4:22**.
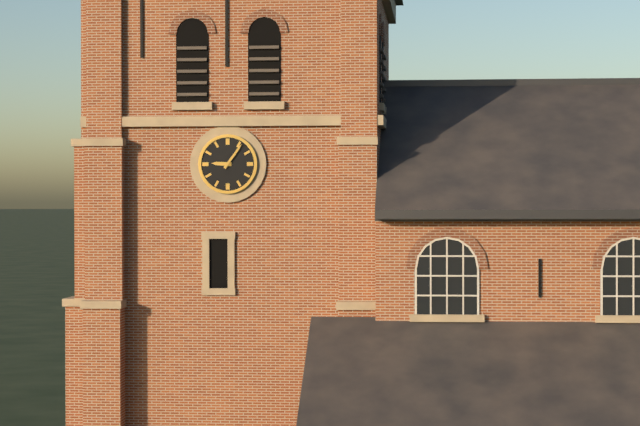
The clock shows **9:06**
